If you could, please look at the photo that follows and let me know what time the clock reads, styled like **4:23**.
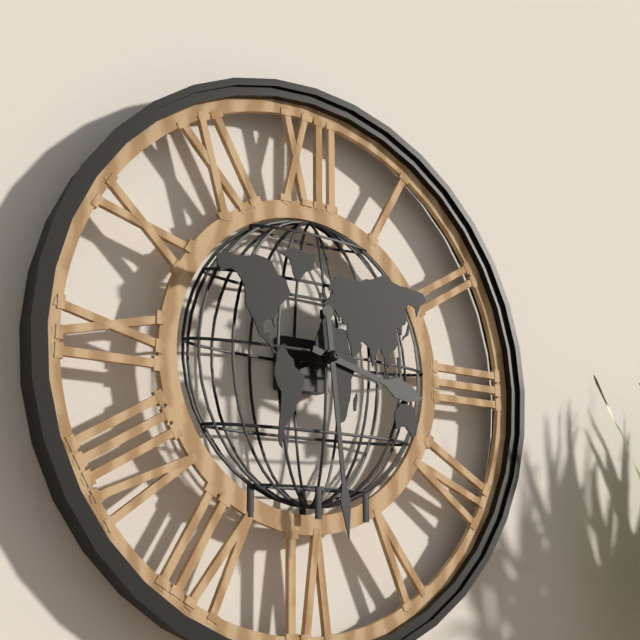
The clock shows **3:29**
